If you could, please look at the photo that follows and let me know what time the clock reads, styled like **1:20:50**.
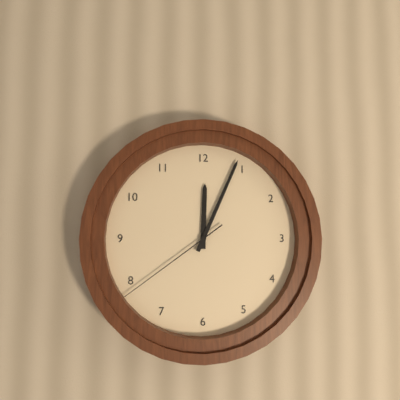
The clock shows **12:04:39**
